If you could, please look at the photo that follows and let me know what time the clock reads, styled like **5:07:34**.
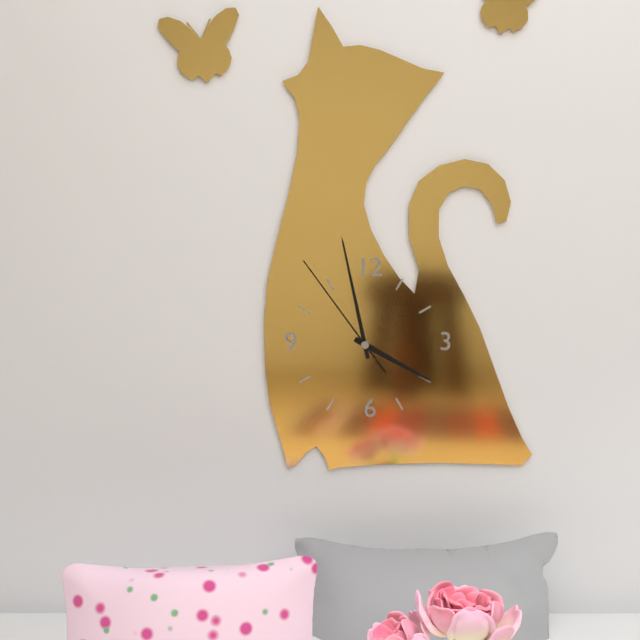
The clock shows **3:58:54**
